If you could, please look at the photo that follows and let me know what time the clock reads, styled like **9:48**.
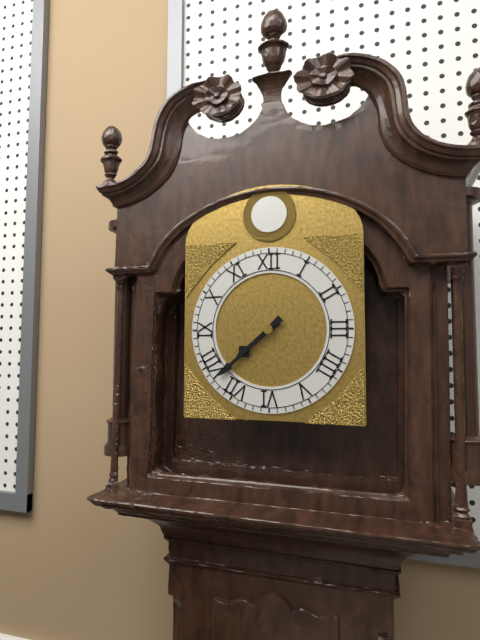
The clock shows **7:38**
